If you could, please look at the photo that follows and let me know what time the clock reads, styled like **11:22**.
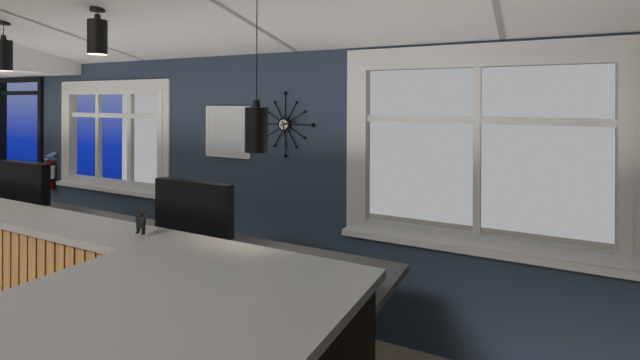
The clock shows **2:28**
